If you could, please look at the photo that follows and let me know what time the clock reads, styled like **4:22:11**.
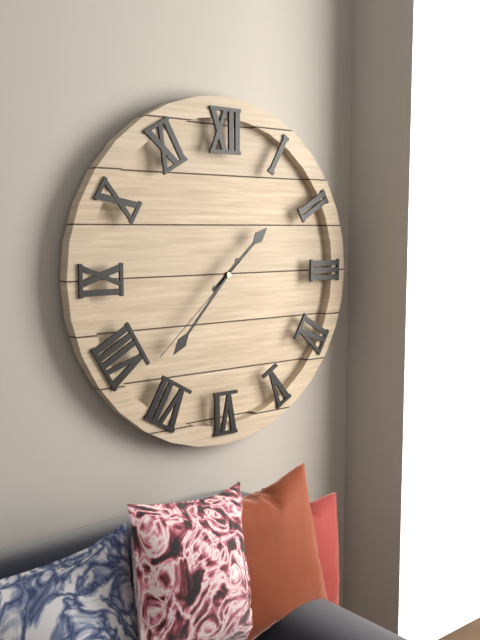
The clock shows **1:37:38**
